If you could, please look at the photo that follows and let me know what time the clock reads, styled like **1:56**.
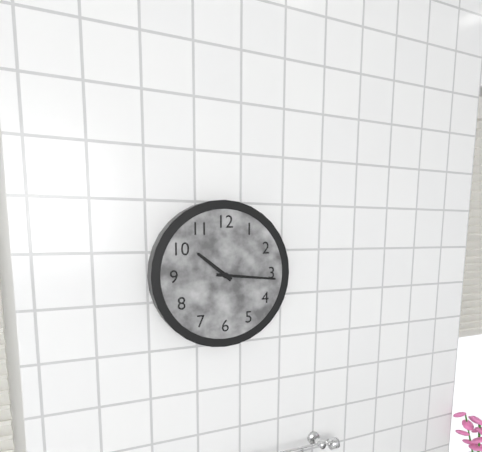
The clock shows **10:16**
